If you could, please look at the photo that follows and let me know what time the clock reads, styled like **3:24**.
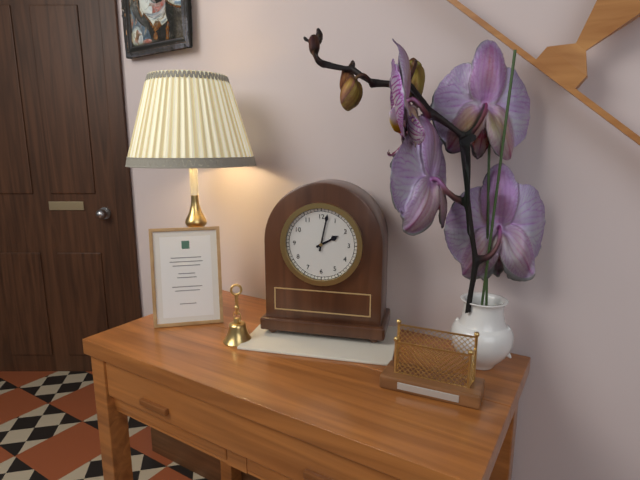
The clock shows **2:02**
